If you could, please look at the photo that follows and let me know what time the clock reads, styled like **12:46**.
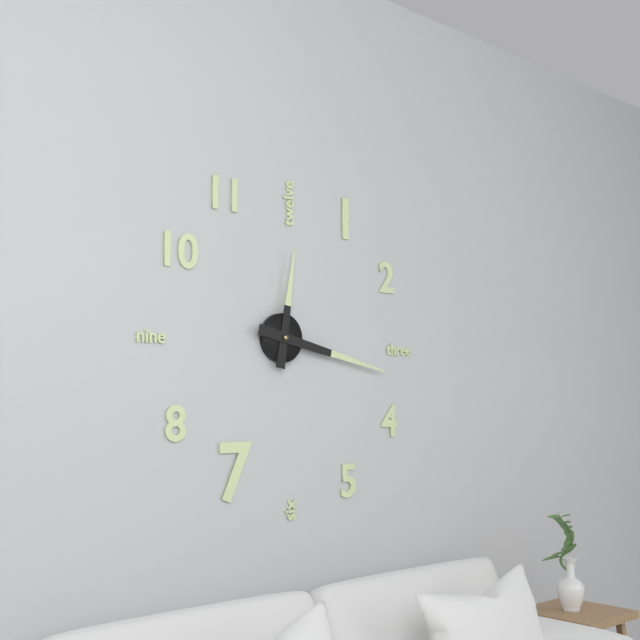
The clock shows **12:17**
